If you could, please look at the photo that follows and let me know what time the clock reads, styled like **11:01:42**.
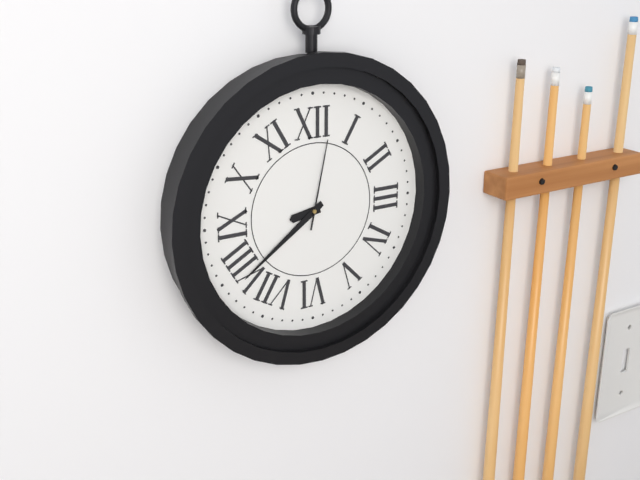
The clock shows **8:39:02**
